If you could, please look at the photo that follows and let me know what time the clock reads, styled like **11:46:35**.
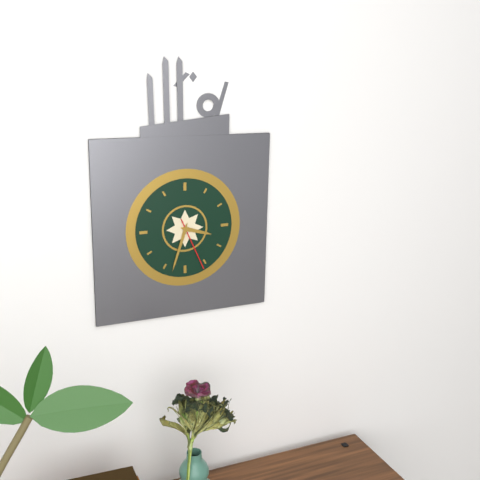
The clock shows **3:33:26**
